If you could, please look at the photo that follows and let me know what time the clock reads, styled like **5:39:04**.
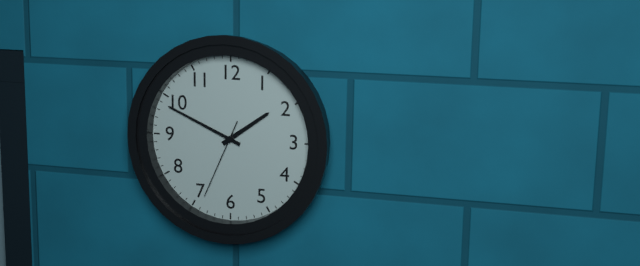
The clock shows **1:49:34**
